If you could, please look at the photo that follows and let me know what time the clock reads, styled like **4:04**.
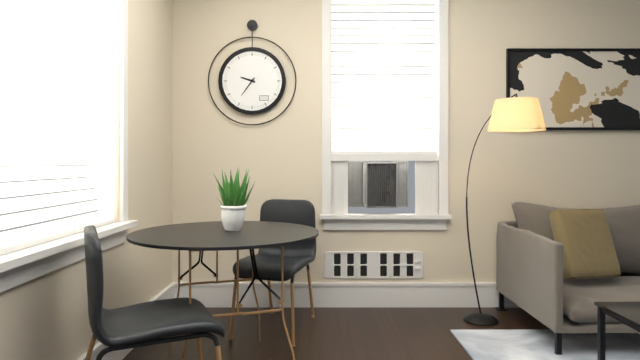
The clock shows **9:36**
